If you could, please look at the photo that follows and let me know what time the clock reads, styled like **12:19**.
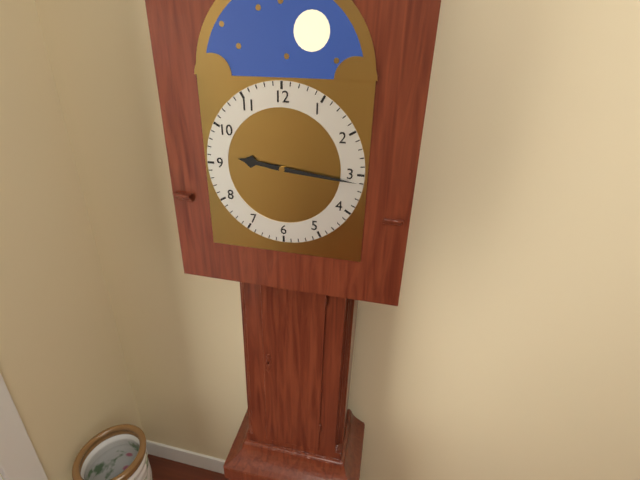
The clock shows **9:16**
